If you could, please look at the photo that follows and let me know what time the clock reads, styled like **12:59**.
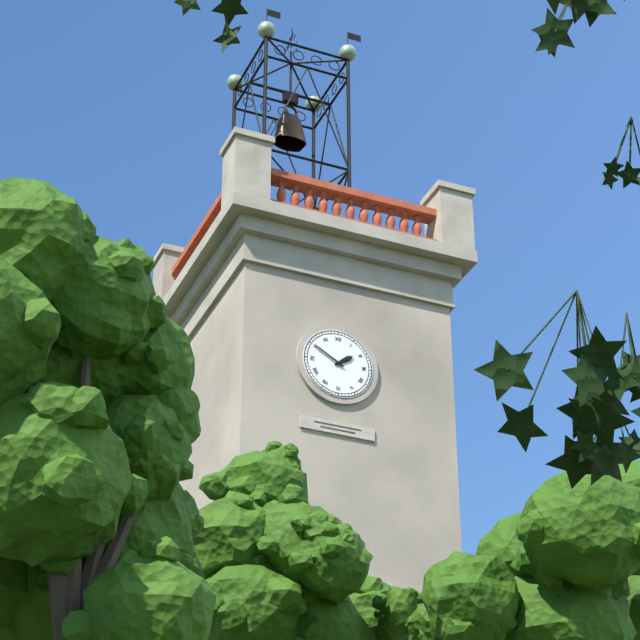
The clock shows **1:50**
